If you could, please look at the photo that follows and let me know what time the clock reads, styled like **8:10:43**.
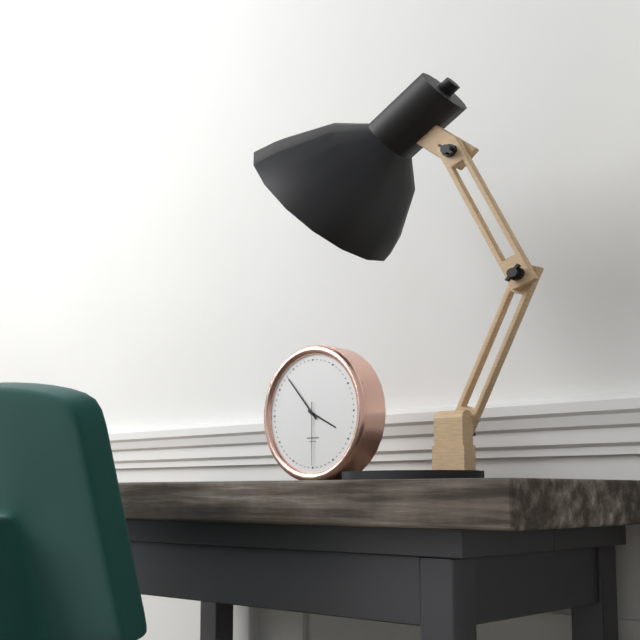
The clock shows **3:53:30**
